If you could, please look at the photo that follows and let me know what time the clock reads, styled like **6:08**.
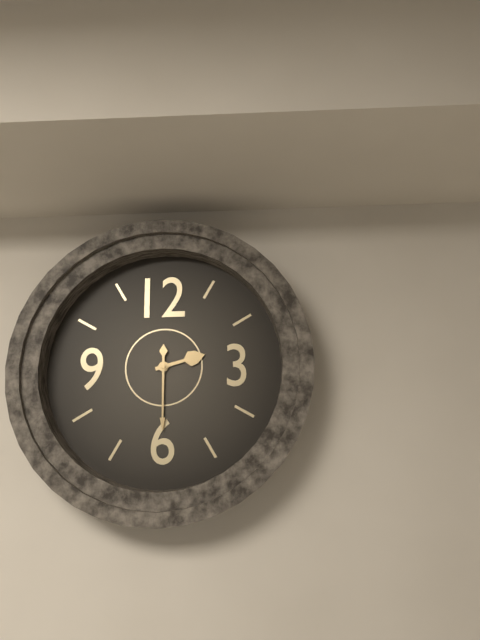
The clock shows **2:30**
